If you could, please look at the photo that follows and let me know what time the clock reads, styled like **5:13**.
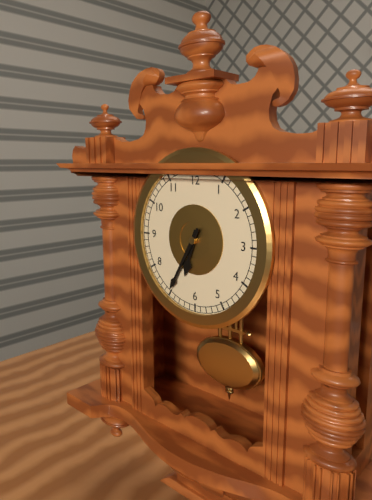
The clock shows **6:35**
